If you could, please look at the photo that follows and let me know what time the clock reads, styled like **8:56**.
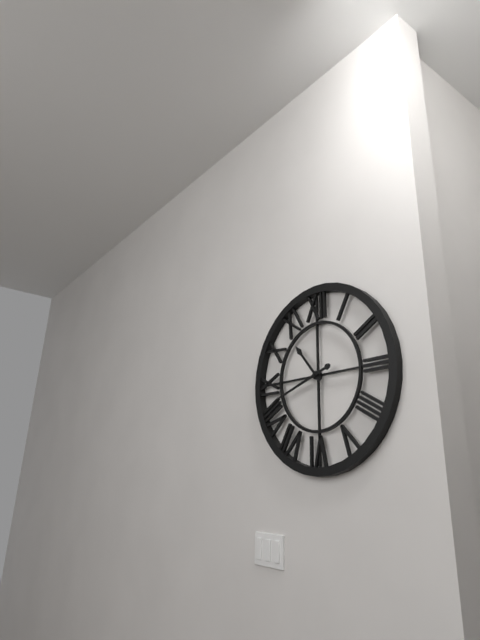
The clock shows **10:42**
